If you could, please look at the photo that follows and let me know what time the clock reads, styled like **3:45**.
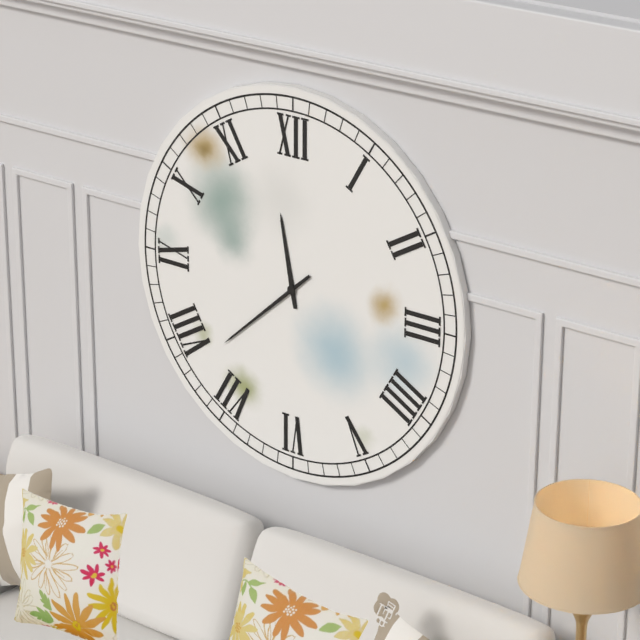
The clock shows **11:38**
